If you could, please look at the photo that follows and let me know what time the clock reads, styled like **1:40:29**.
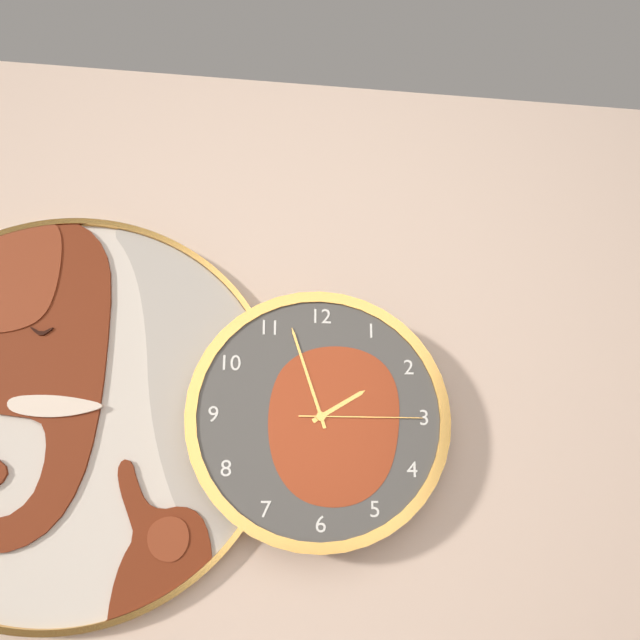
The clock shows **1:57:15**
